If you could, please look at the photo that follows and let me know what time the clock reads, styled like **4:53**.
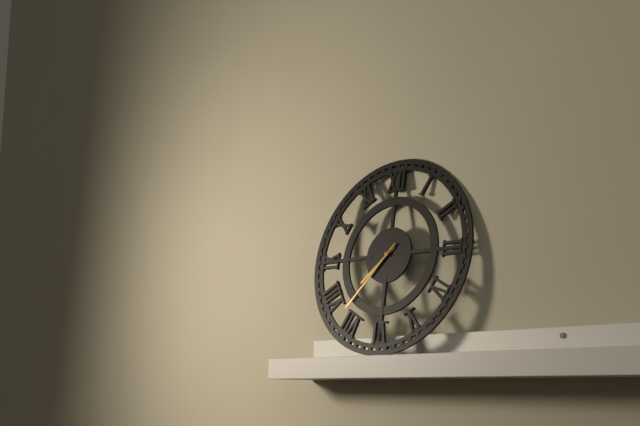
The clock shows **7:37**
